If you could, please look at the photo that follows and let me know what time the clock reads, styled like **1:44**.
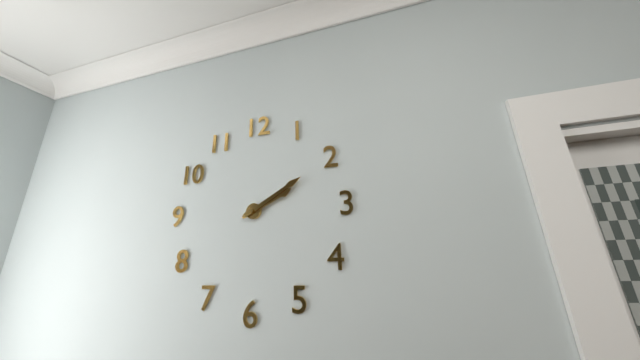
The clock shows **2:10**
